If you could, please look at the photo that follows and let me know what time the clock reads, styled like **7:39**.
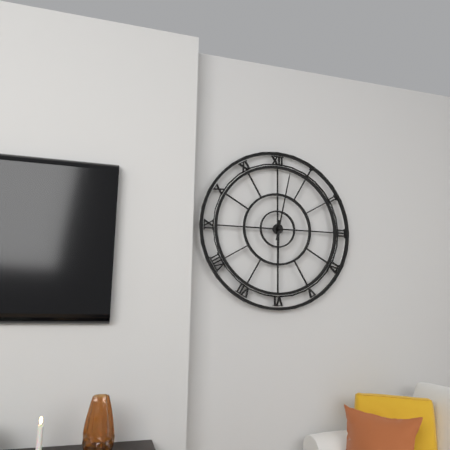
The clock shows **6:02**
